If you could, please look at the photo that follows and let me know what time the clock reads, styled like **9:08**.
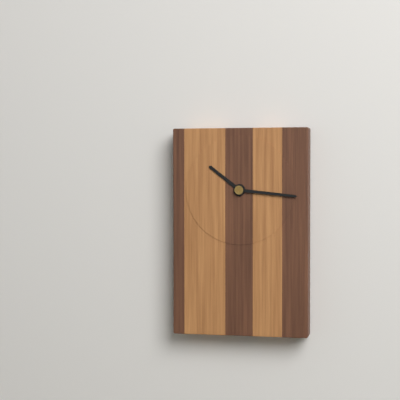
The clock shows **10:16**
